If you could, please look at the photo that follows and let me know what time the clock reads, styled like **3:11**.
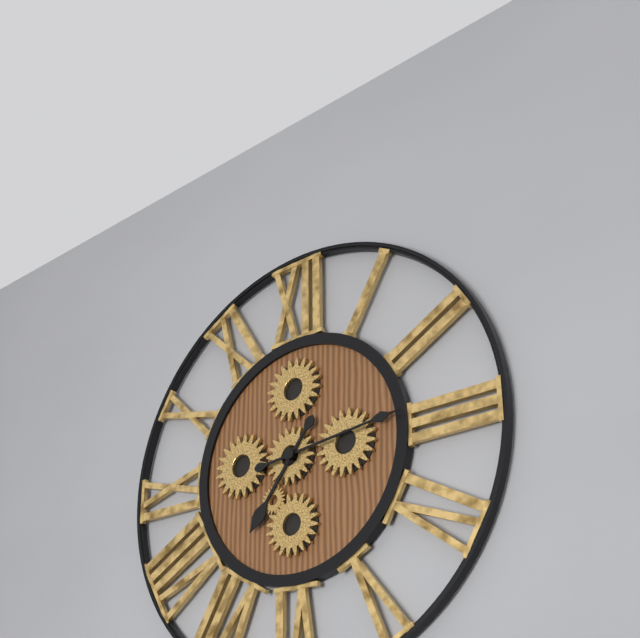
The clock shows **7:14**
